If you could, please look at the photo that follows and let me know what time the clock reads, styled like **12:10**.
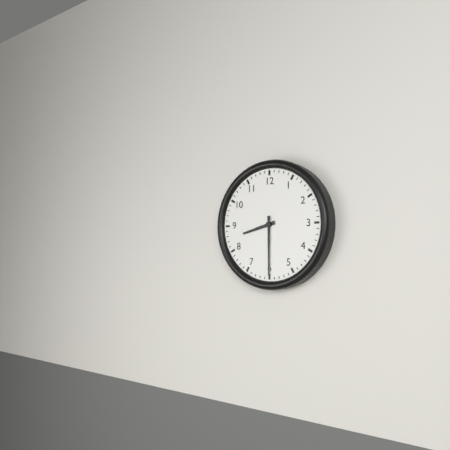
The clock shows **8:30**
